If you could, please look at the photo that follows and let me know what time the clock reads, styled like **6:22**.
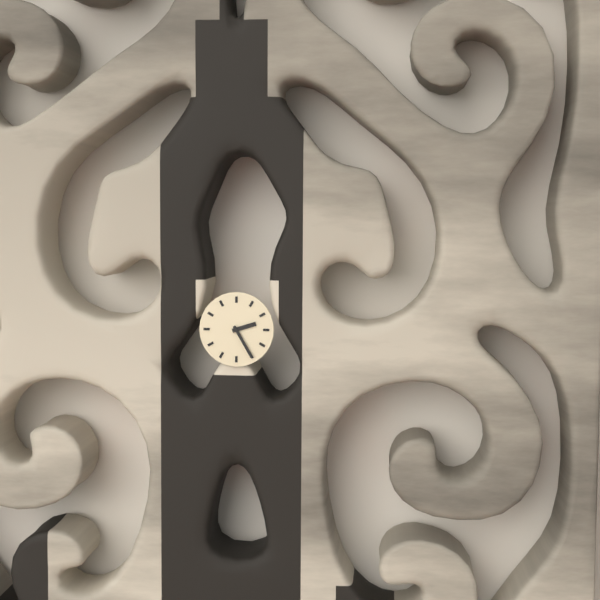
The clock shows **2:25**
